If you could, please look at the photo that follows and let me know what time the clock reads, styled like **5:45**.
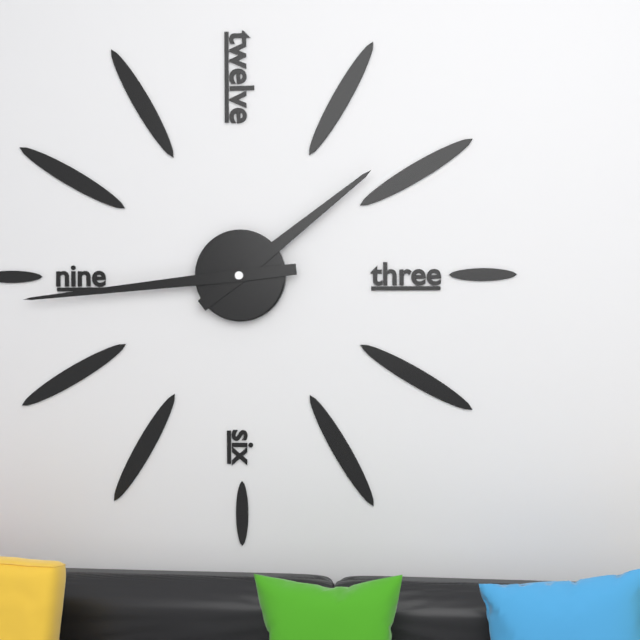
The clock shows **1:44**
